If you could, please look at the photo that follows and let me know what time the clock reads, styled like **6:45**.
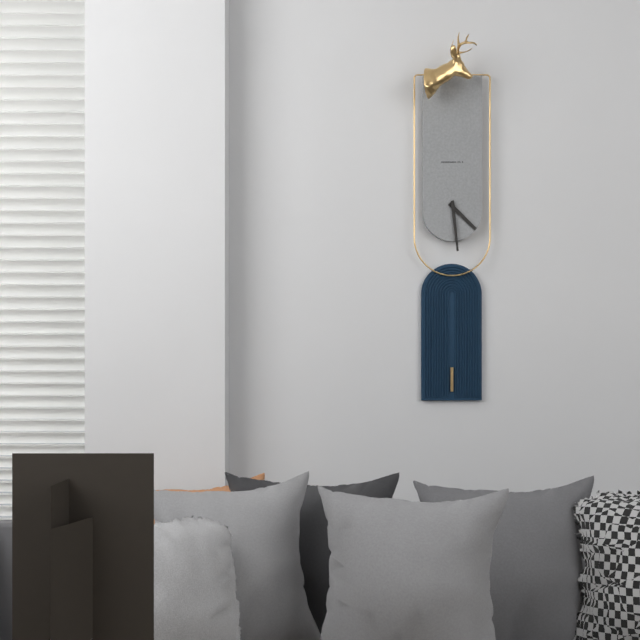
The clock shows **4:29**
